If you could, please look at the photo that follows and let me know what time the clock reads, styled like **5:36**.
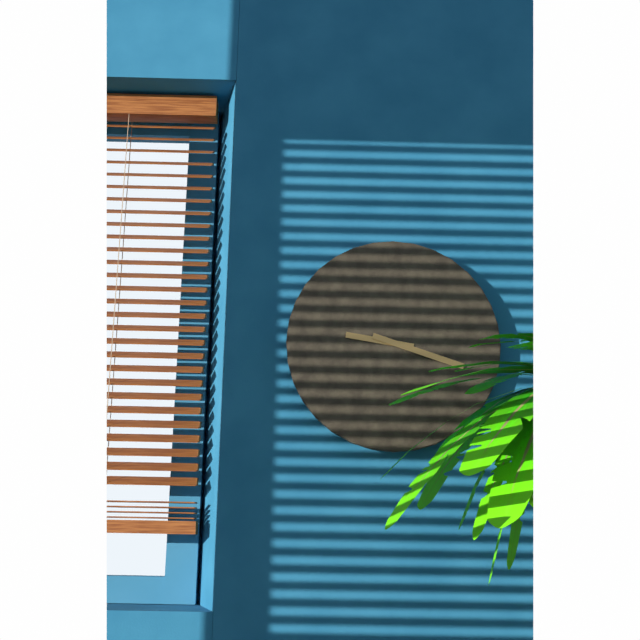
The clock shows **9:18**
